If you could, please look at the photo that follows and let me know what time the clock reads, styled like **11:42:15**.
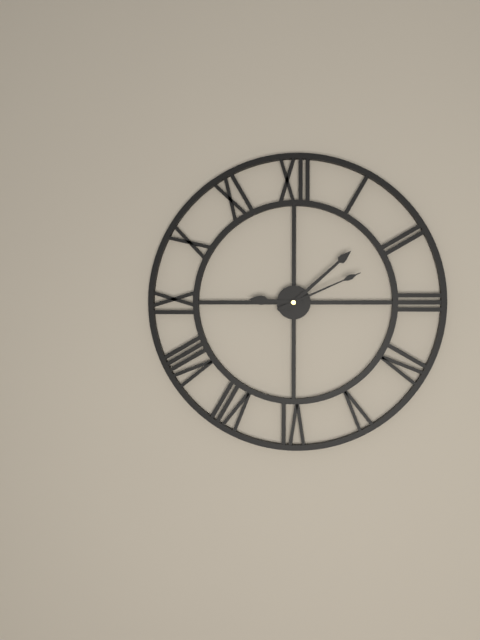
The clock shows **9:08:11**
